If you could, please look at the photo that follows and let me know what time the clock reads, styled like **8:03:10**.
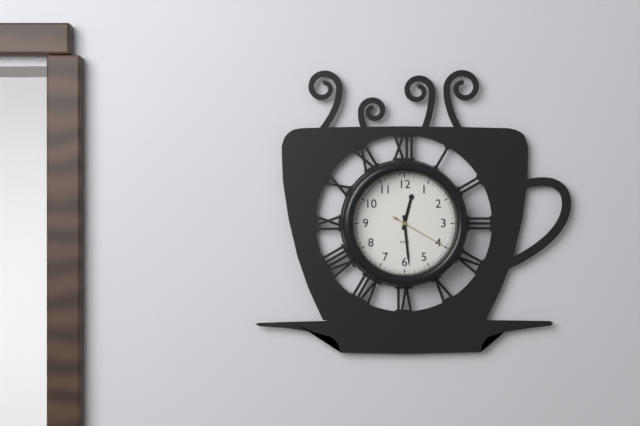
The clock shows **12:29:20**
